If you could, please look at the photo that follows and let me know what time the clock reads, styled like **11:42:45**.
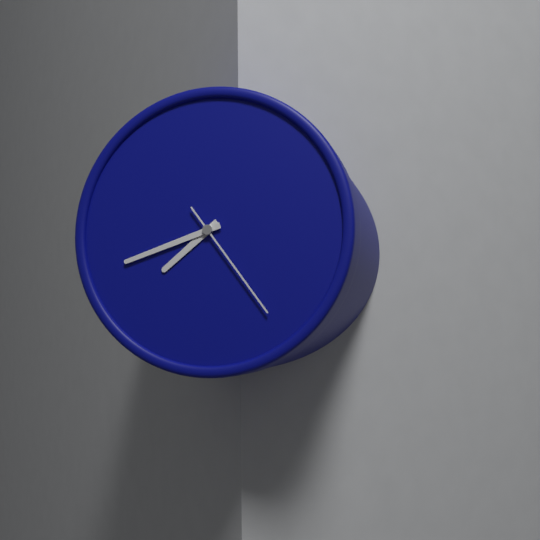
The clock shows **7:42:24**
